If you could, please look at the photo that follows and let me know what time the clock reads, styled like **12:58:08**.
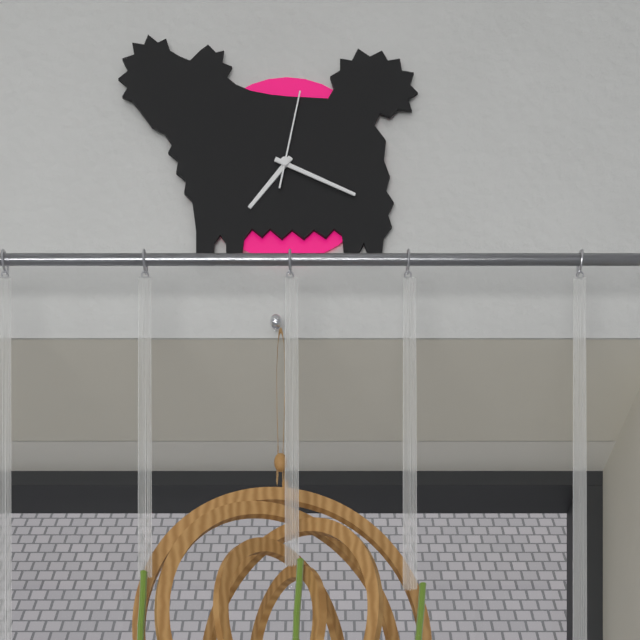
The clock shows **7:19:02**
